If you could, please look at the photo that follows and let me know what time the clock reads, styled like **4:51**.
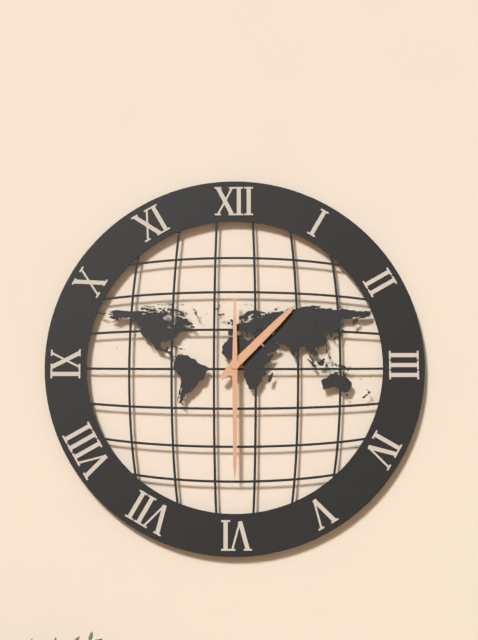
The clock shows **1:30**
